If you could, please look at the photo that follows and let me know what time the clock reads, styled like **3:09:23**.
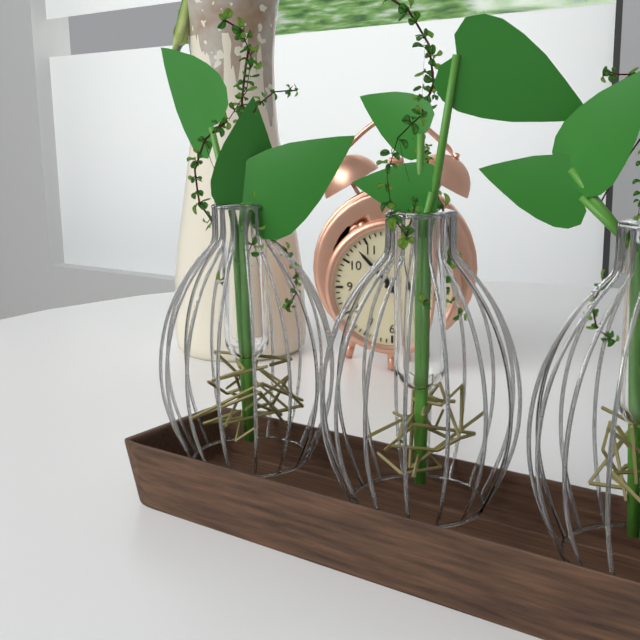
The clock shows **3:53:26**
